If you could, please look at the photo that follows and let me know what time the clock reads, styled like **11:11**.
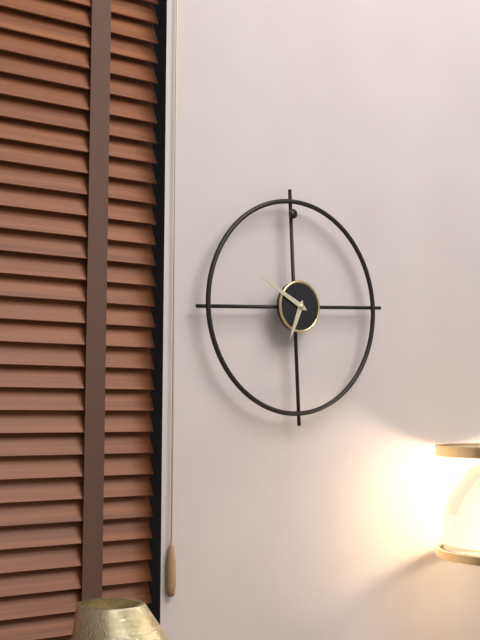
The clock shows **6:50**
